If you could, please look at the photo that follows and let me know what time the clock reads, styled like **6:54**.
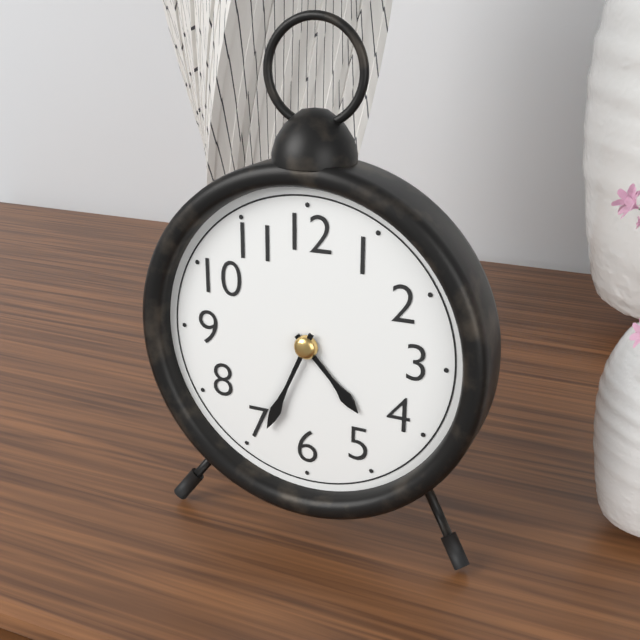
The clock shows **4:34**
